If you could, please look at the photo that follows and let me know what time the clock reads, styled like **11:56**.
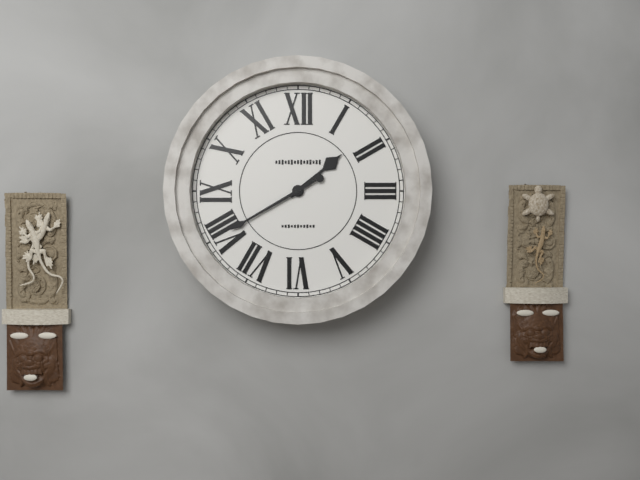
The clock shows **1:40**
